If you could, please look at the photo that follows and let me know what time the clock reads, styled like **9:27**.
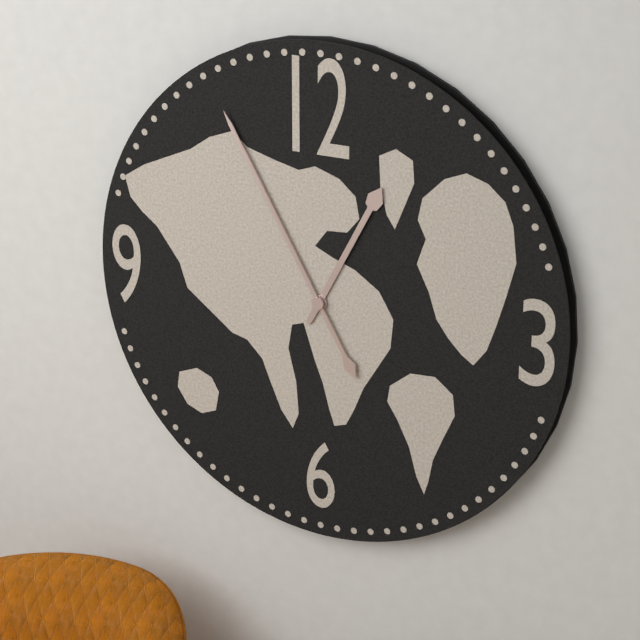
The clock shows **12:55**
